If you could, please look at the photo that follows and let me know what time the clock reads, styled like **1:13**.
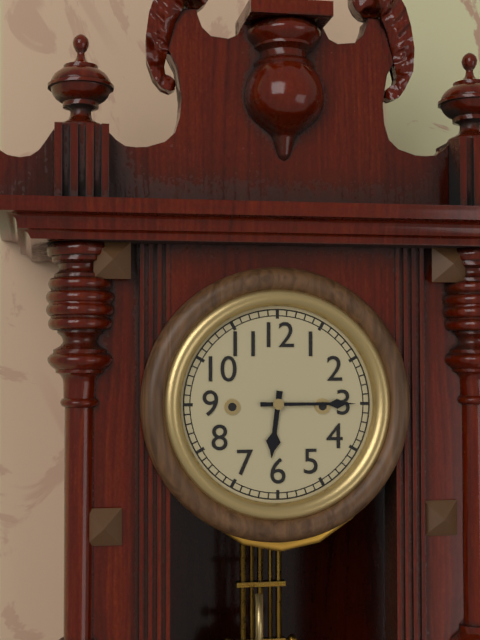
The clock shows **6:15**
